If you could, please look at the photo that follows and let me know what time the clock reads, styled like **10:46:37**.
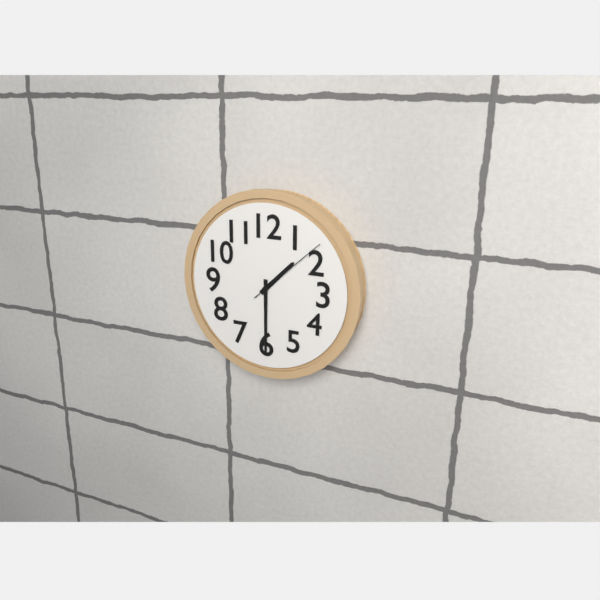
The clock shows **1:30:08**
